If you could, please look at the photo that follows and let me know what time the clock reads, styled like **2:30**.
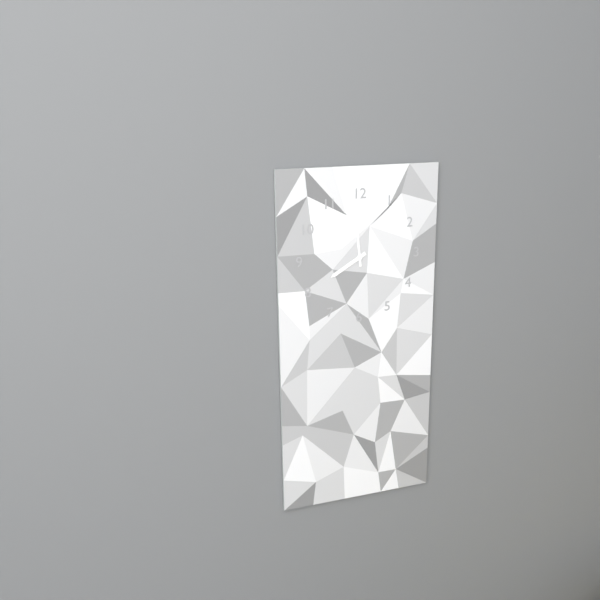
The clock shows **7:59**
